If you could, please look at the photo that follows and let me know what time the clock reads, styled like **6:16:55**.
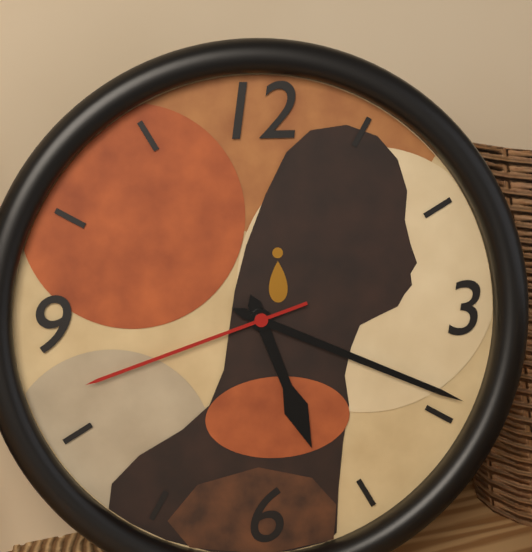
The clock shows **5:19:42**
